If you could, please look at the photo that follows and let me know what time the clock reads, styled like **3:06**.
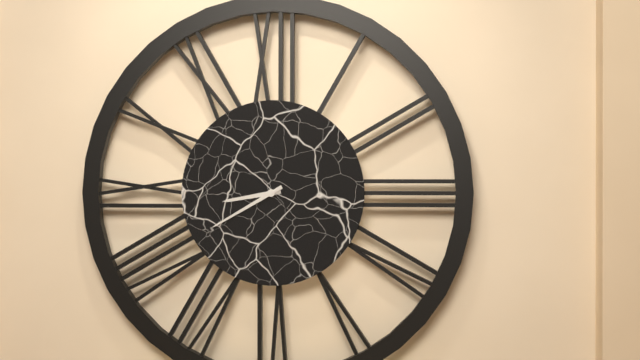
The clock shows **8:40**
